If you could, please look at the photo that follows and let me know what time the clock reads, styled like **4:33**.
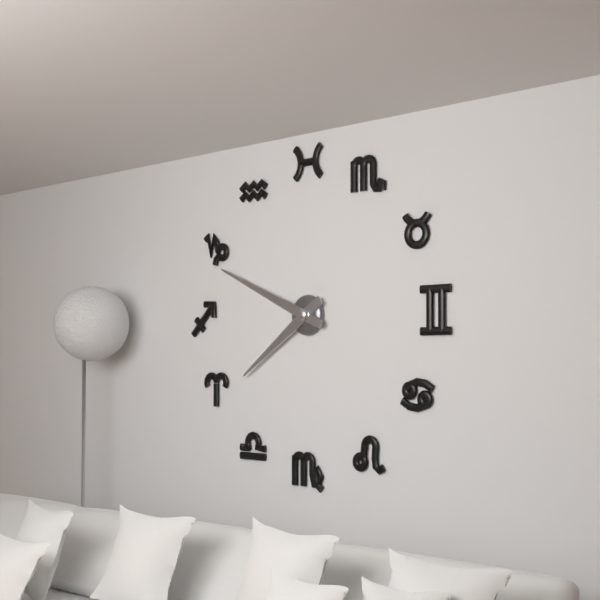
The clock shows **7:49**
